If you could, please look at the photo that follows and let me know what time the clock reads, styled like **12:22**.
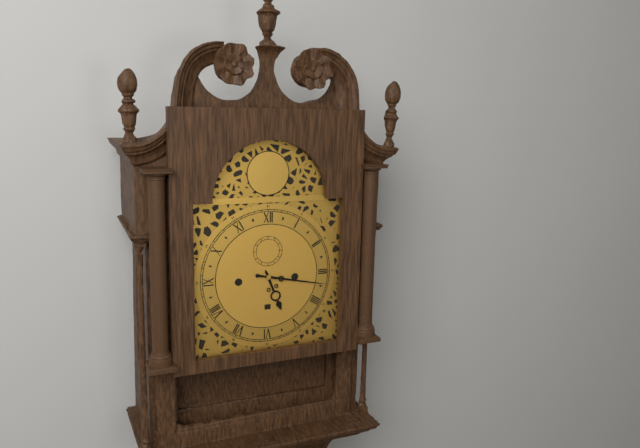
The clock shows **5:17**
